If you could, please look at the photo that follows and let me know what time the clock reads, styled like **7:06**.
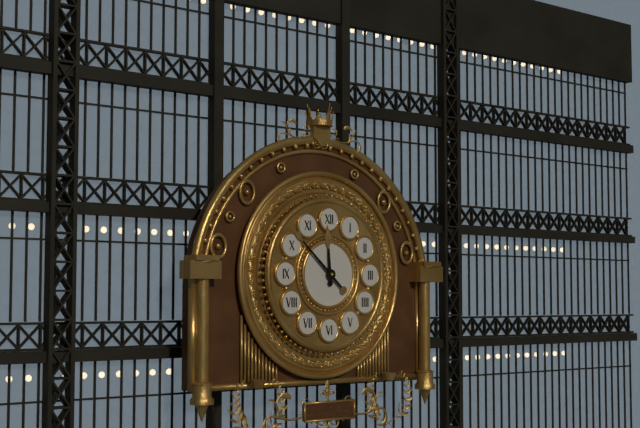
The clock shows **11:52**
